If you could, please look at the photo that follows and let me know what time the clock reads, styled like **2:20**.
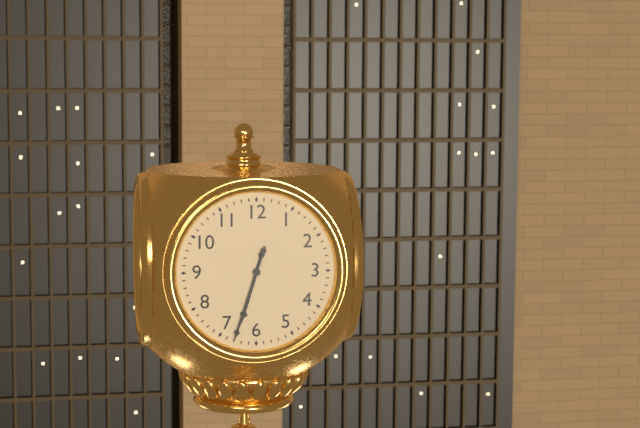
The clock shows **6:33**
